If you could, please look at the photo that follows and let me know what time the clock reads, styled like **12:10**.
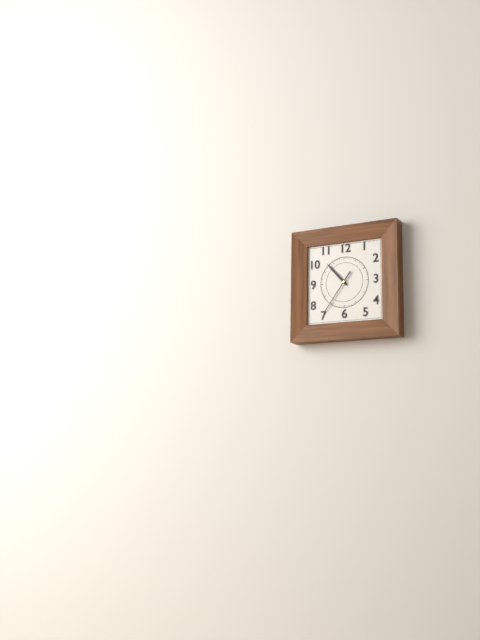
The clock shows **10:36**
